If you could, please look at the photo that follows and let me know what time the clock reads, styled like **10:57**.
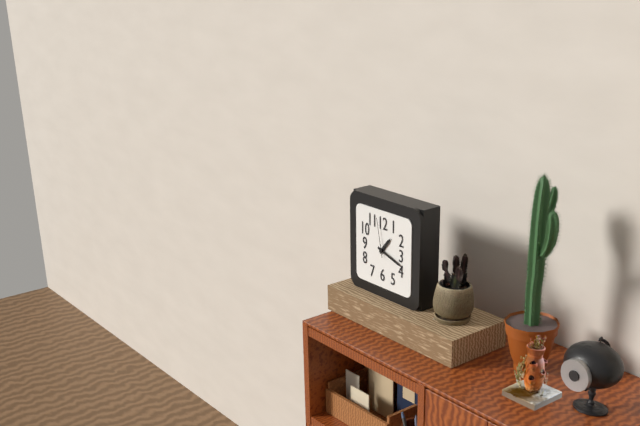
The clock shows **1:18**
